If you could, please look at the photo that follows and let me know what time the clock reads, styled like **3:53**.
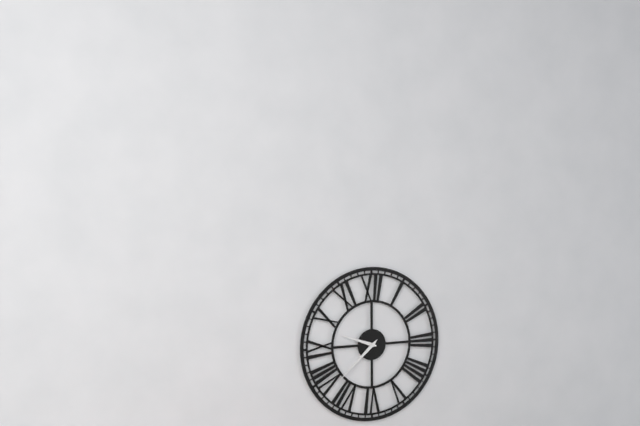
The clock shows **9:38**
